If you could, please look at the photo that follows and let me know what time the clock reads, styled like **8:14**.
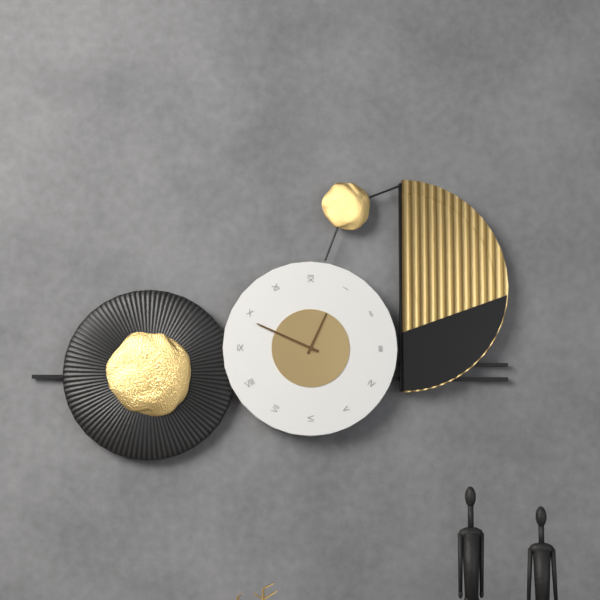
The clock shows **12:49**
